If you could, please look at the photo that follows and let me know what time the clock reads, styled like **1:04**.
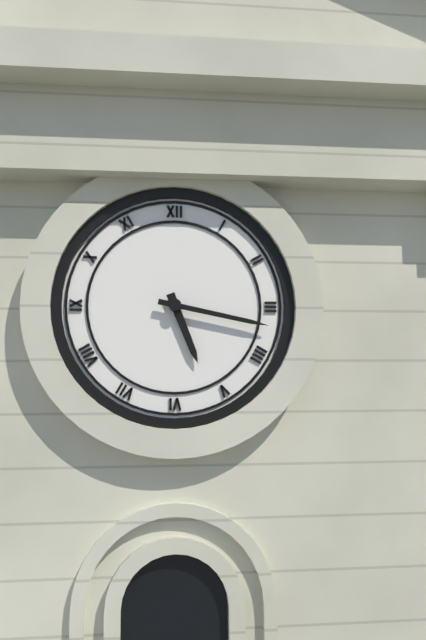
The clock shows **5:17**
